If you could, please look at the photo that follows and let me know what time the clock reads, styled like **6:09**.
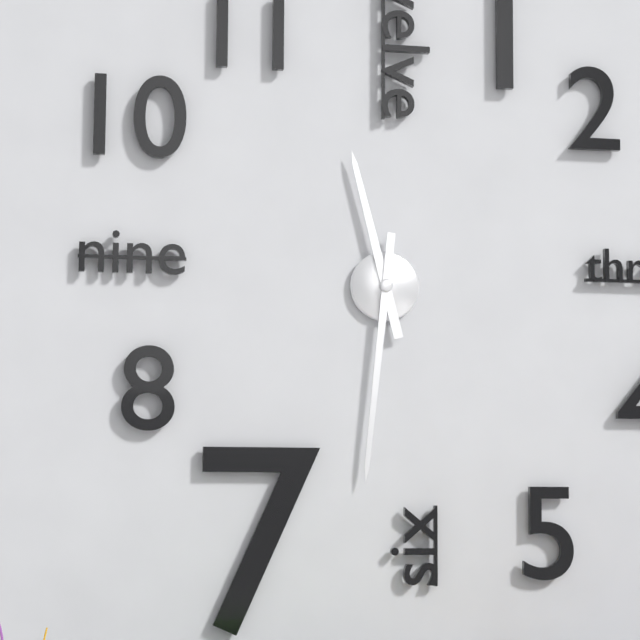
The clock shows **11:31**
